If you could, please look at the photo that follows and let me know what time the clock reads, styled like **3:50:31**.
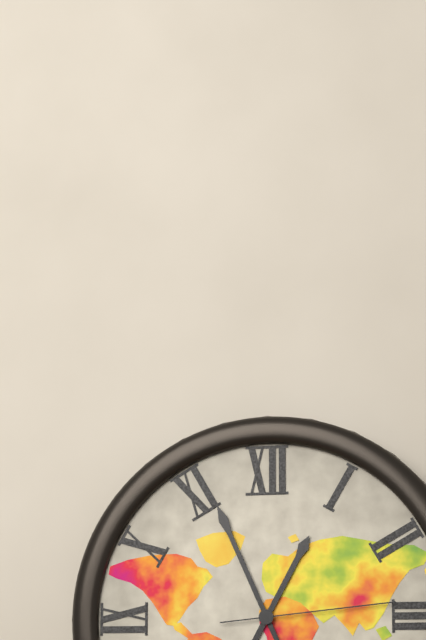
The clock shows **12:56:14**
